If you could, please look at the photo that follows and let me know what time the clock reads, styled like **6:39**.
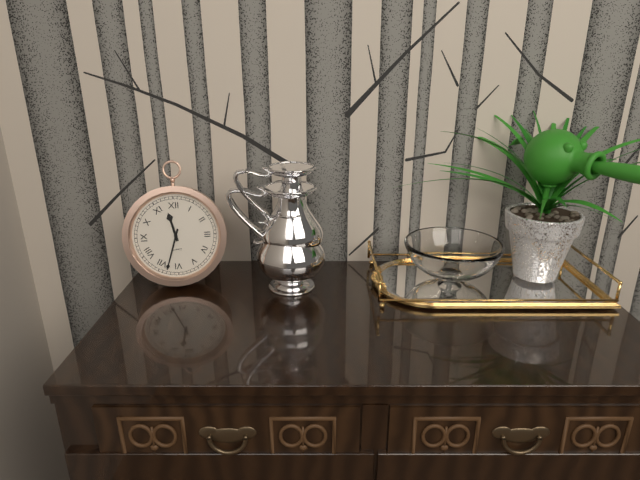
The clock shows **11:33**
